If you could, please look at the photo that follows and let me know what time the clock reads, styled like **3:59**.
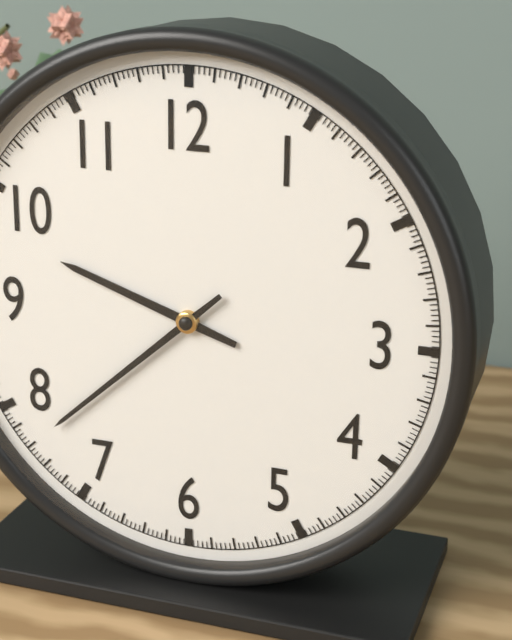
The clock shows **9:38**
